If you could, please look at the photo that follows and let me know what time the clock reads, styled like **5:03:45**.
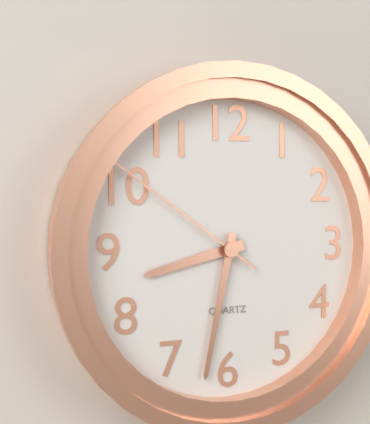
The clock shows **8:32:51**
